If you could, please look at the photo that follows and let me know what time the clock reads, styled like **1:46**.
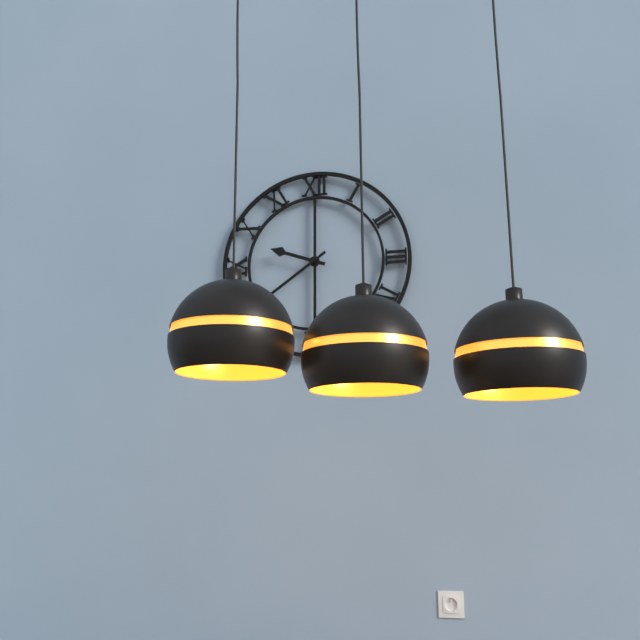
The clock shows **9:39**
